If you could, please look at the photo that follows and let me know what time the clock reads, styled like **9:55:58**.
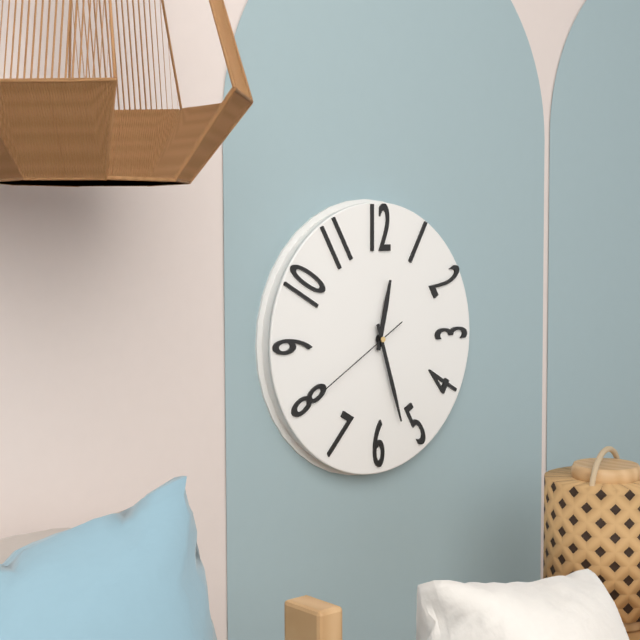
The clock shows **12:27:40**
